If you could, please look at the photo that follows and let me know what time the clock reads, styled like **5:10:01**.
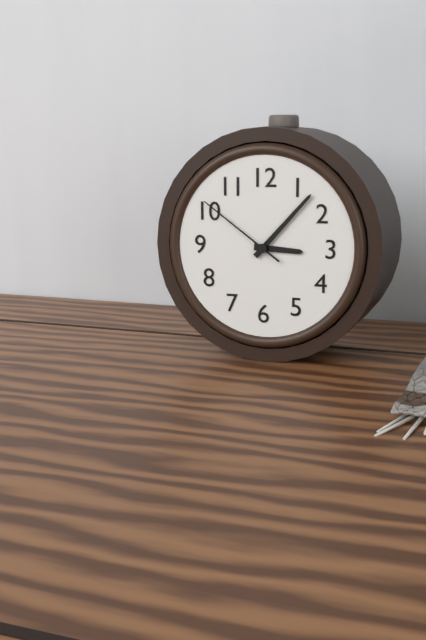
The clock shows **3:07:51**
